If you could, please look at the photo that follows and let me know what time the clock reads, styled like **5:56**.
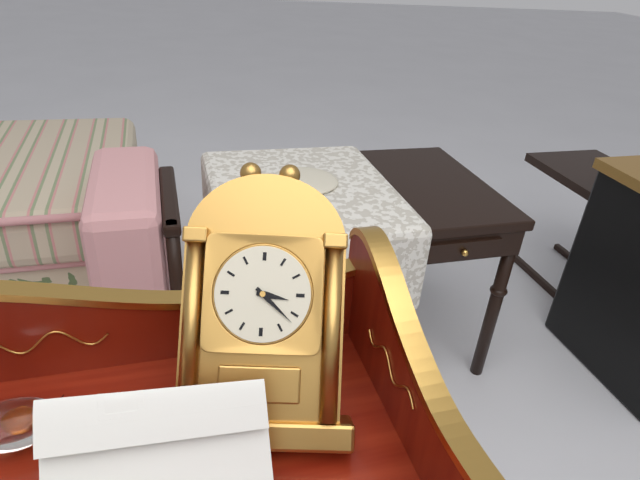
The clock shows **3:22**
